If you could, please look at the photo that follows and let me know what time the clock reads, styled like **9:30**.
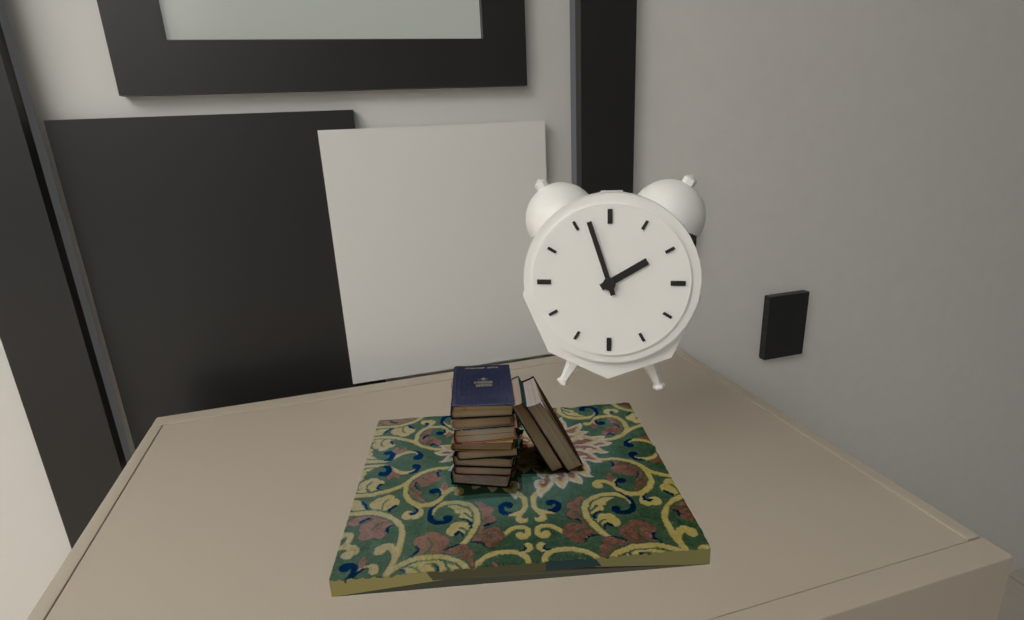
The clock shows **1:57**
